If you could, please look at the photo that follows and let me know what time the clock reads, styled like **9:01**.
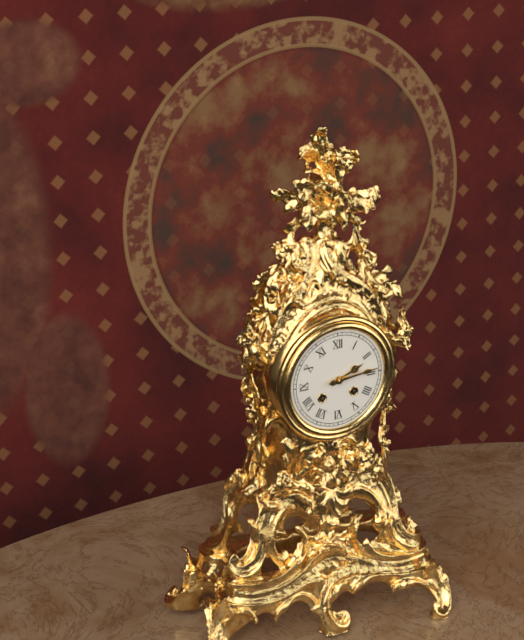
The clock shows **2:14**
